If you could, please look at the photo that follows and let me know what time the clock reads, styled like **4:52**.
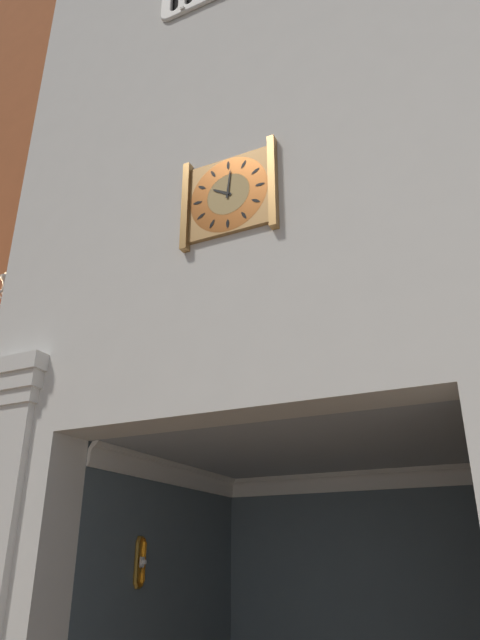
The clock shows **10:01**
